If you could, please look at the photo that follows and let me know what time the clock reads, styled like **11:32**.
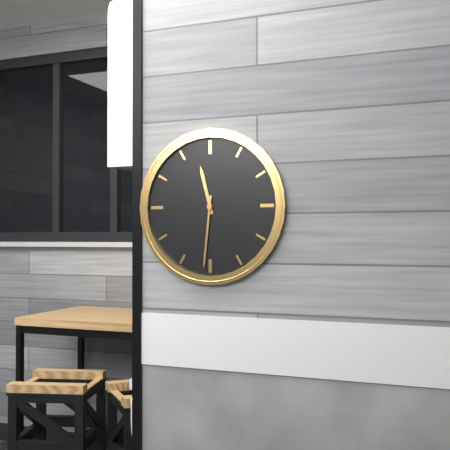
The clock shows **11:31**
